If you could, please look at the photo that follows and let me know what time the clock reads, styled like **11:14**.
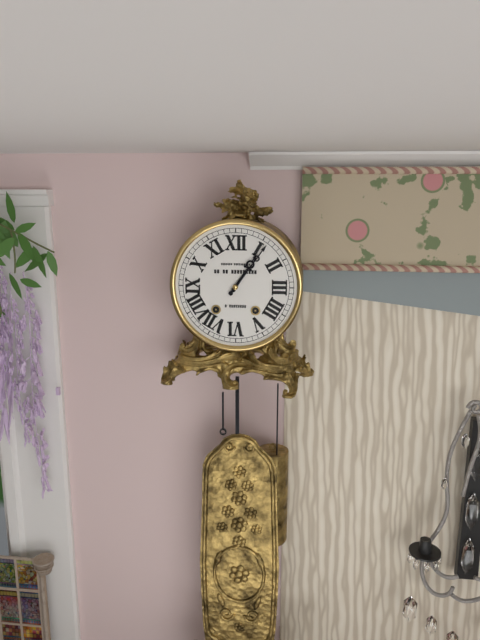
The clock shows **1:06**
